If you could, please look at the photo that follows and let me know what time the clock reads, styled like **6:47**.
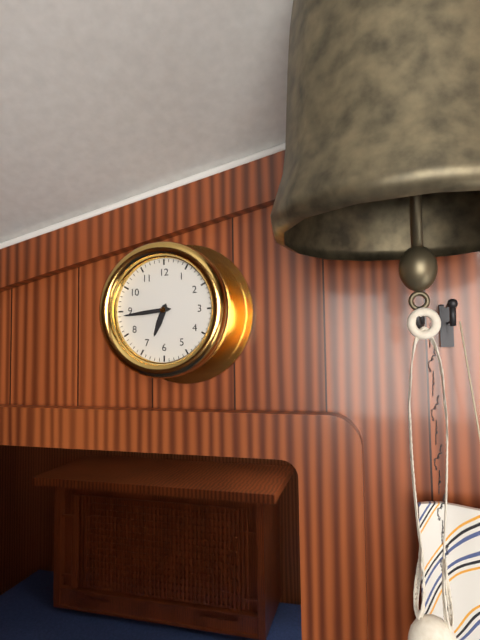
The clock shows **6:44**
